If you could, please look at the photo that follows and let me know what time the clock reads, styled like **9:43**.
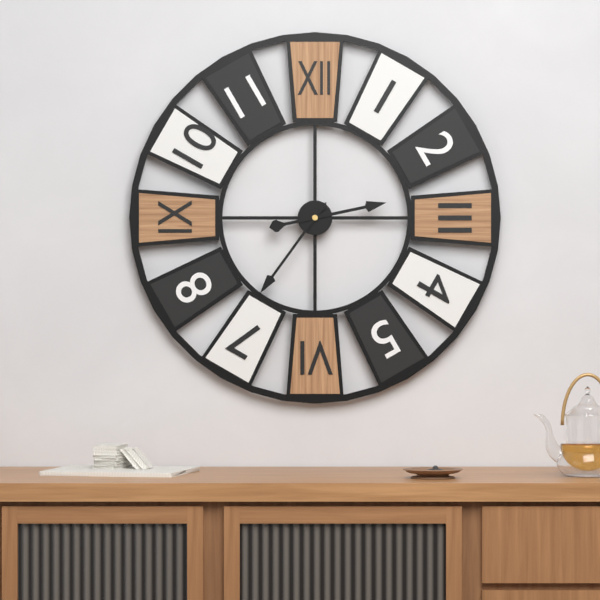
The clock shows **2:36**
